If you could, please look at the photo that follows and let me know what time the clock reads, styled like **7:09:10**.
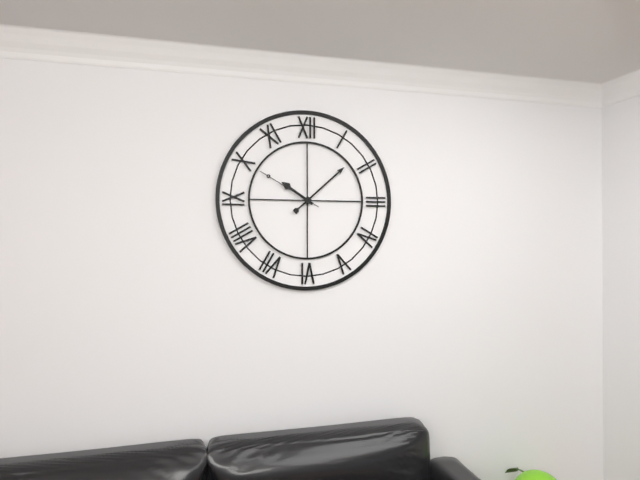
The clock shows **10:08:50**
